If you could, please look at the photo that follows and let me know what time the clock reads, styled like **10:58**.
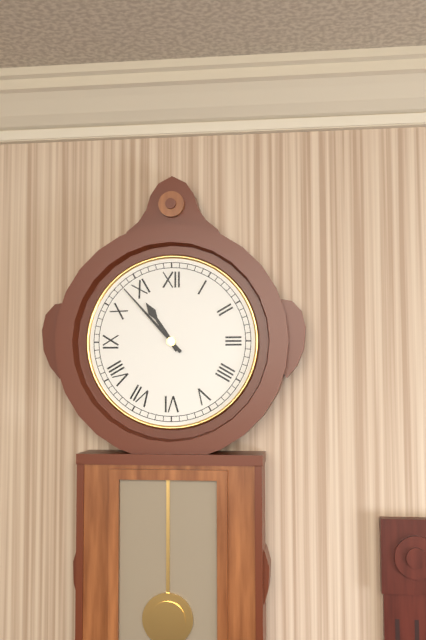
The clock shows **10:53**
